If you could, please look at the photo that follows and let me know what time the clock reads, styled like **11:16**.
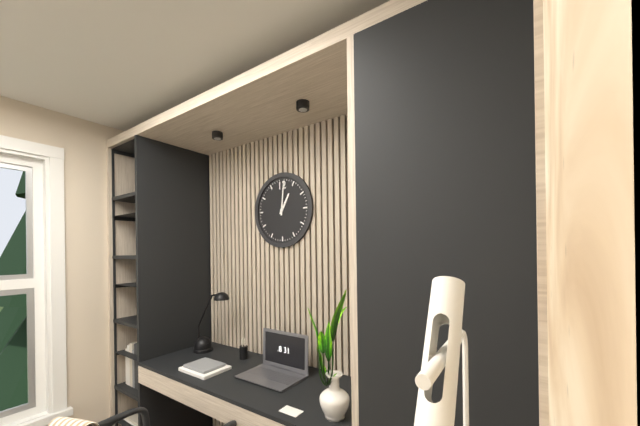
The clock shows **1:01**
